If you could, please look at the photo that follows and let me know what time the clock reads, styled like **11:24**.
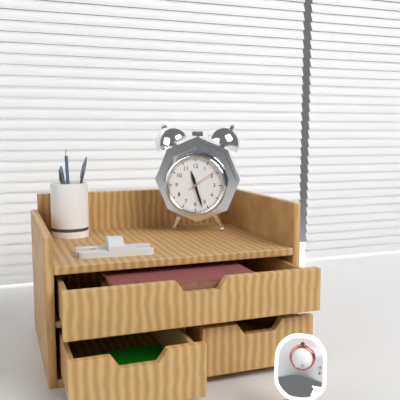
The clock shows **11:27**
